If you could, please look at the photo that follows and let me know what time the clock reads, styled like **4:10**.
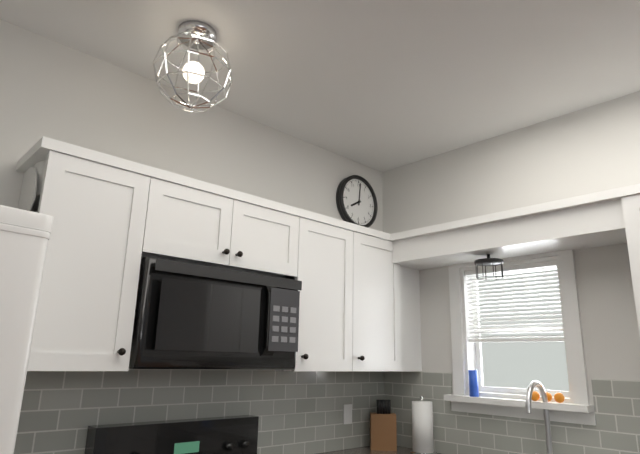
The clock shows **8:01**
